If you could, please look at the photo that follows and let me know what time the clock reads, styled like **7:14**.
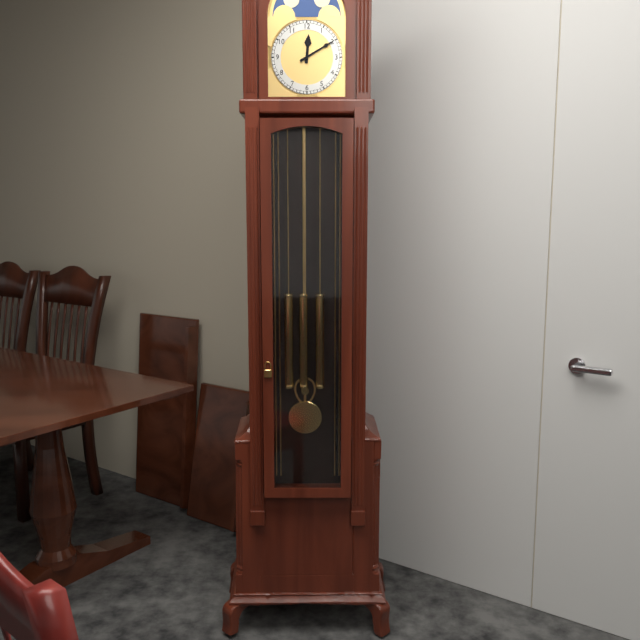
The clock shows **12:10**
